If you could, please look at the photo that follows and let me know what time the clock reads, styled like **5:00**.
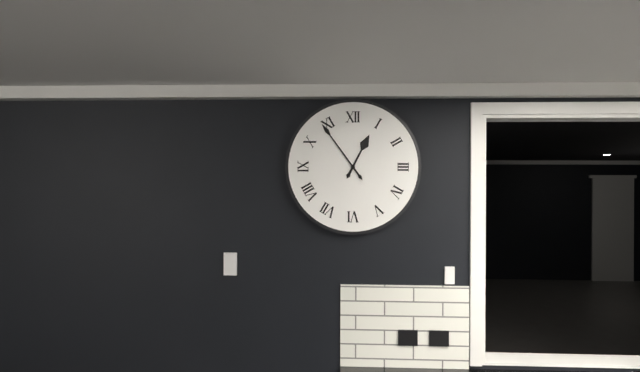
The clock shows **12:54**
